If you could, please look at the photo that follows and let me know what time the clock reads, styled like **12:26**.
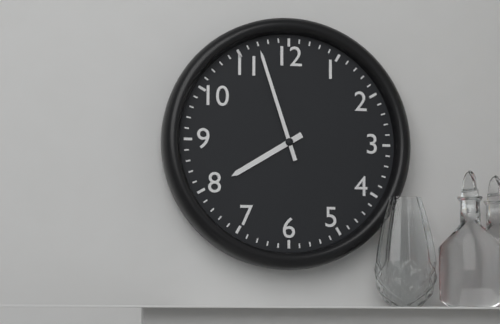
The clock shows **7:57**
